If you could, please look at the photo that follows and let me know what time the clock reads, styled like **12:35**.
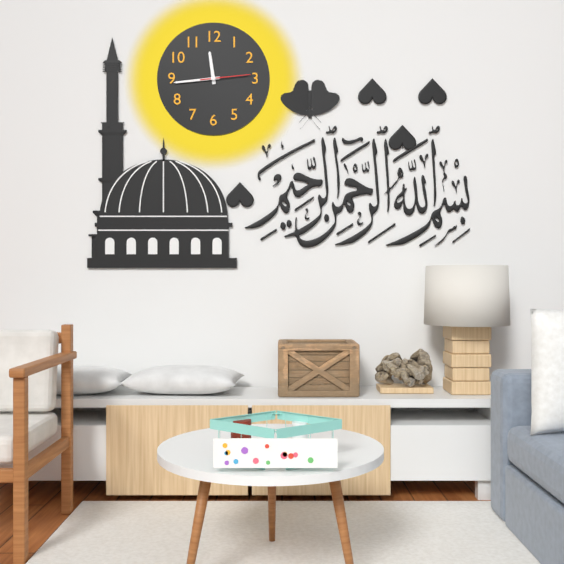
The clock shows **11:44**
